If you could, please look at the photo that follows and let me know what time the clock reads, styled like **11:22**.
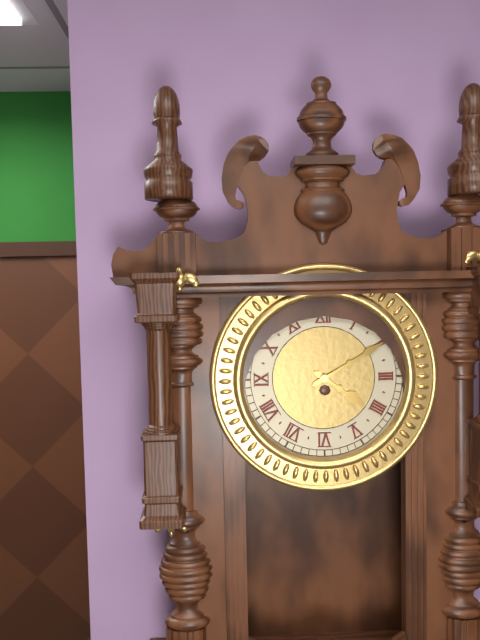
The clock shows **4:10**
